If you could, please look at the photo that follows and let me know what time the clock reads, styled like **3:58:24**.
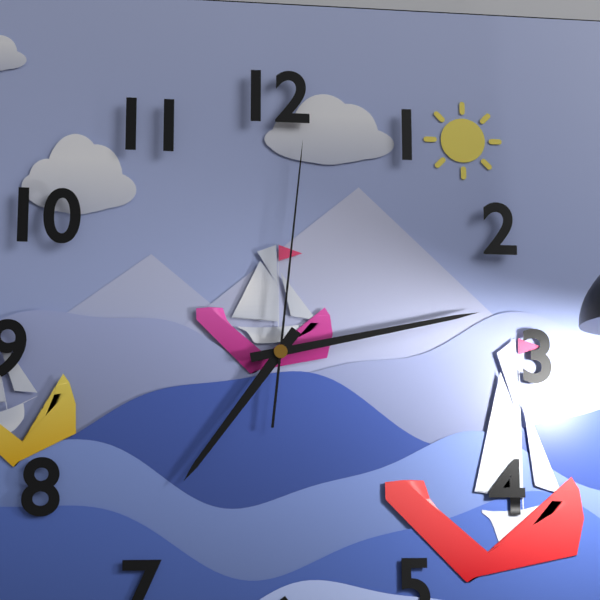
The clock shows **7:13:01**
